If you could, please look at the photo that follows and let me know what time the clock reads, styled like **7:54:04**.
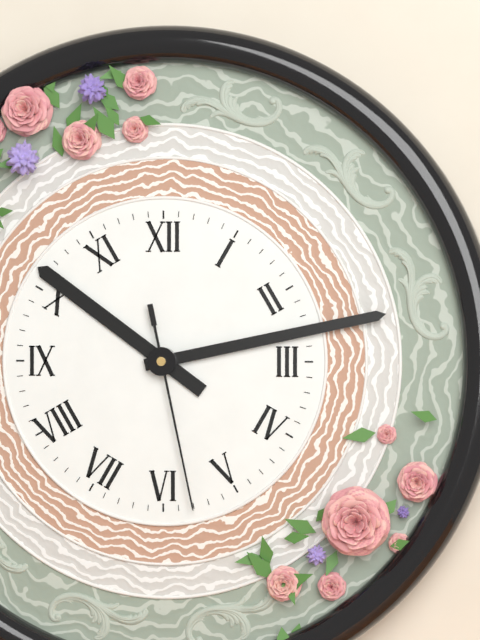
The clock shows **10:13:28**
